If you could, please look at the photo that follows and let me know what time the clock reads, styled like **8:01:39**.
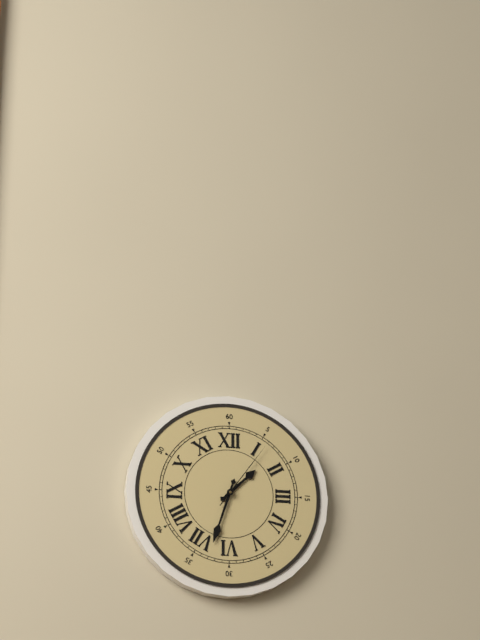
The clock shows **1:33:06**
